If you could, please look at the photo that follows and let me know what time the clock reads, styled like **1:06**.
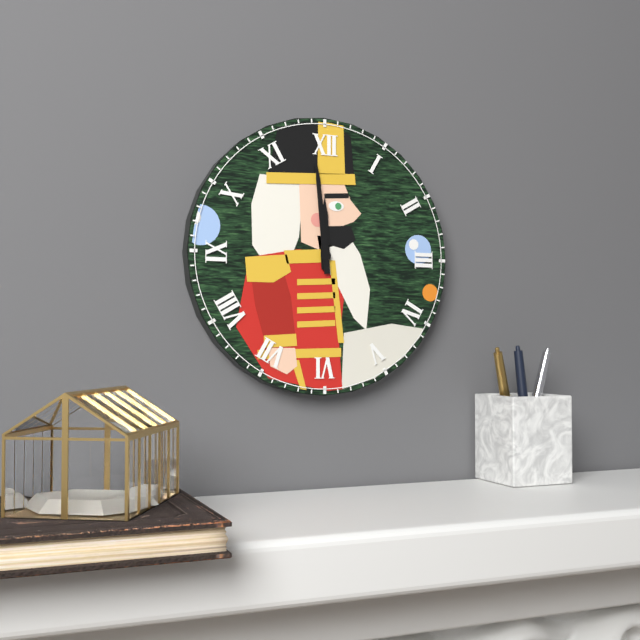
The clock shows **11:59**
